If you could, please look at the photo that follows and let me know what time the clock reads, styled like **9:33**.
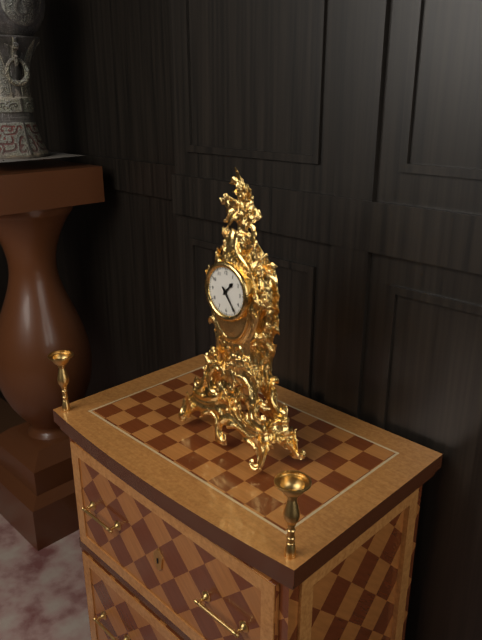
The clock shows **1:24**
